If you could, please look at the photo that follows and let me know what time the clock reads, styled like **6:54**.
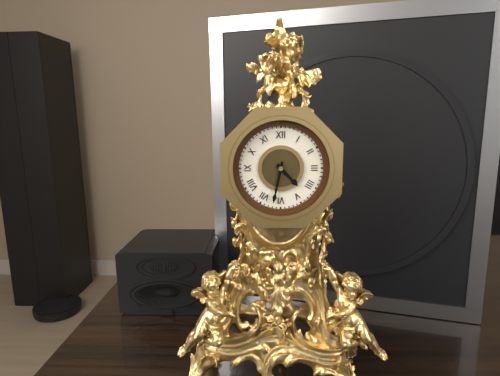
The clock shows **4:32**
